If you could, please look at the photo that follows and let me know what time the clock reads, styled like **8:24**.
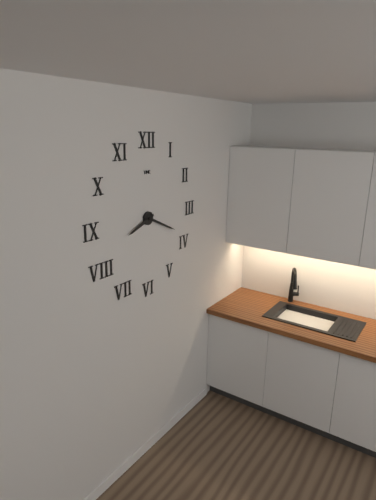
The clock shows **8:19**
